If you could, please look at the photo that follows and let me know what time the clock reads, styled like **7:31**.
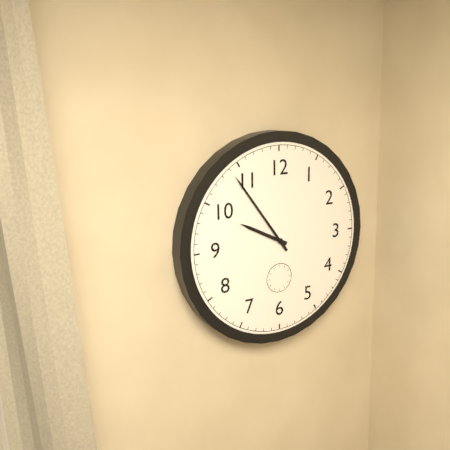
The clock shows **9:54**
